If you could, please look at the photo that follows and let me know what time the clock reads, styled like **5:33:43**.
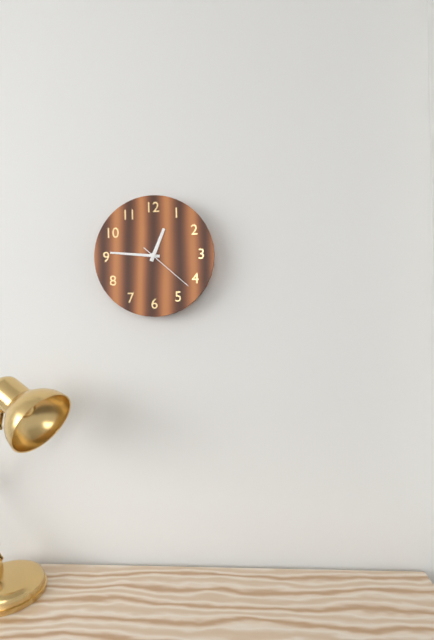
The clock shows **12:46:22**
